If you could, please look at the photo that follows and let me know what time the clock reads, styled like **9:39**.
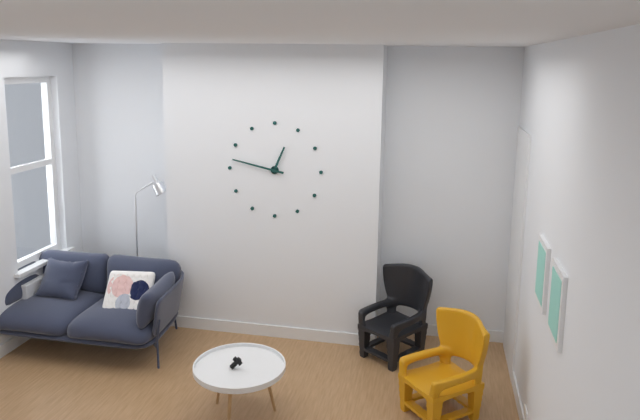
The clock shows **12:47**
